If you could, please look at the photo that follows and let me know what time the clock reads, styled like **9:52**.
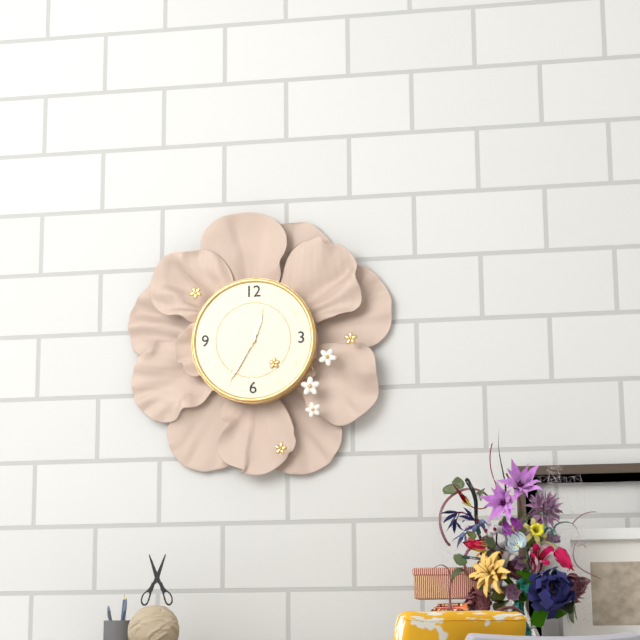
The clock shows **12:35**
